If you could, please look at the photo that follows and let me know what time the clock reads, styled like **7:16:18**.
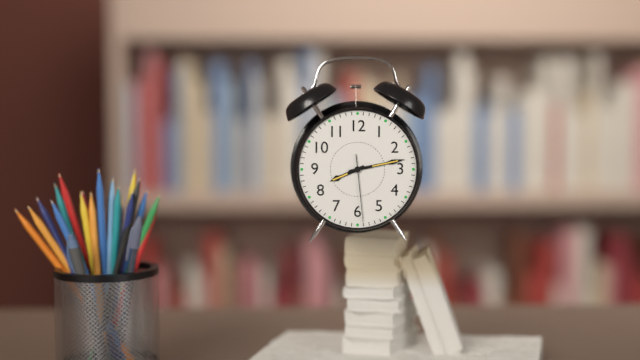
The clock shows **8:13:29**
